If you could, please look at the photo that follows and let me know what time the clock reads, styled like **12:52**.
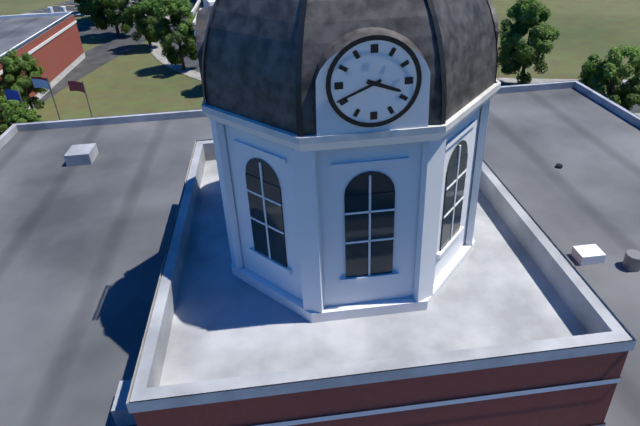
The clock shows **3:41**
